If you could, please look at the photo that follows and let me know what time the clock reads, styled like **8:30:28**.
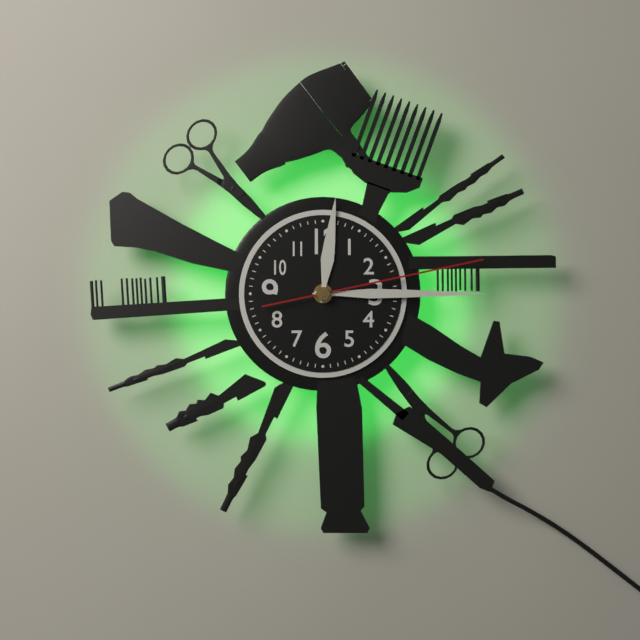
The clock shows **12:15:13**
